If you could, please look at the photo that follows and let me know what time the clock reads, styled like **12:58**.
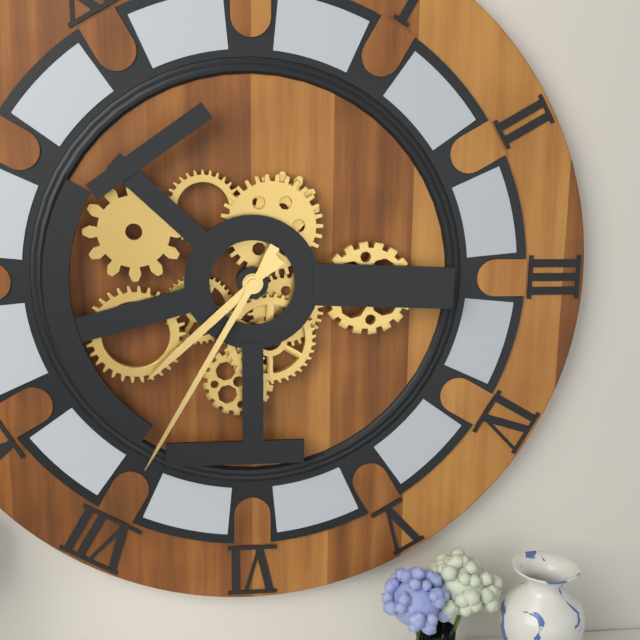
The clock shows **7:35**
